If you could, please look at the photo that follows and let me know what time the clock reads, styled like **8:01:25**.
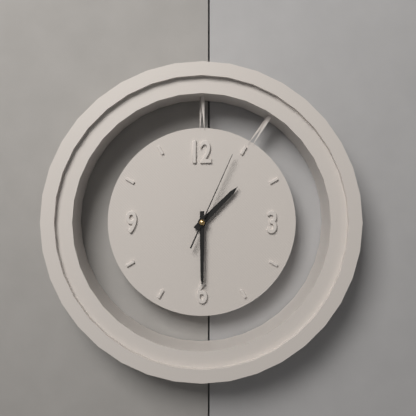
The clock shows **1:30:04**
